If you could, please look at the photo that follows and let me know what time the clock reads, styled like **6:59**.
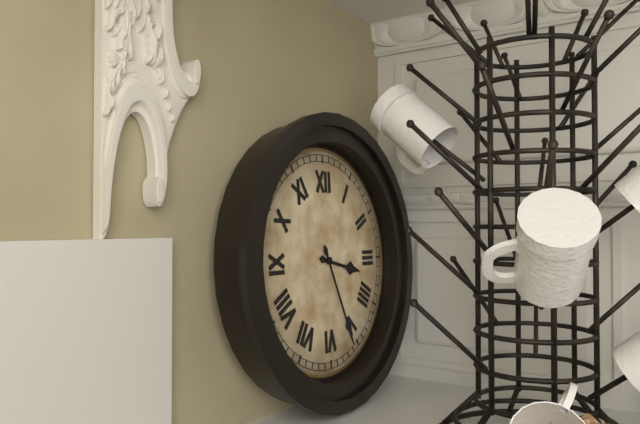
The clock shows **3:26**
